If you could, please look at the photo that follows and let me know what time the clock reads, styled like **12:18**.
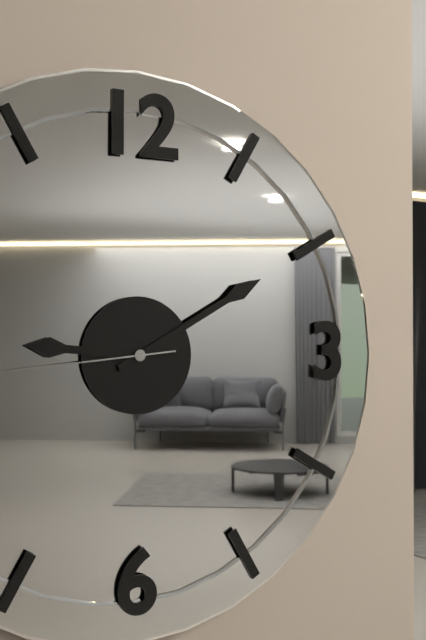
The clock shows **9:10**
